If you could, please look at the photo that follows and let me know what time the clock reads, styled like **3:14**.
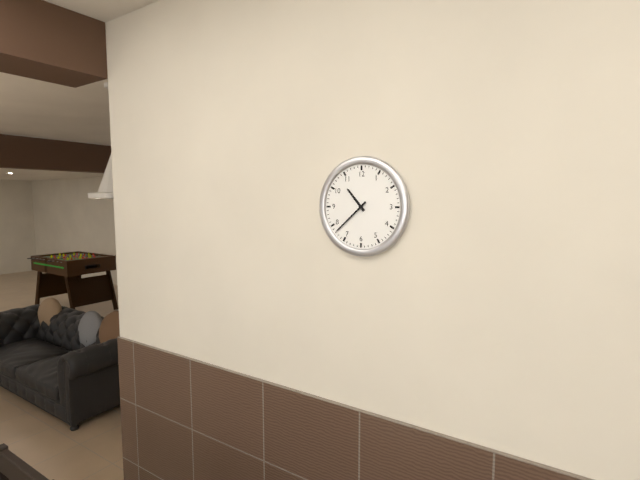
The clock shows **10:38**
